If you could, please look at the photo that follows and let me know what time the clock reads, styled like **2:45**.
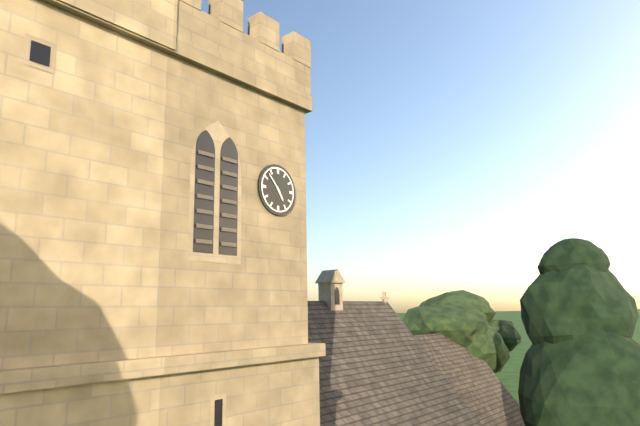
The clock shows **4:53**
